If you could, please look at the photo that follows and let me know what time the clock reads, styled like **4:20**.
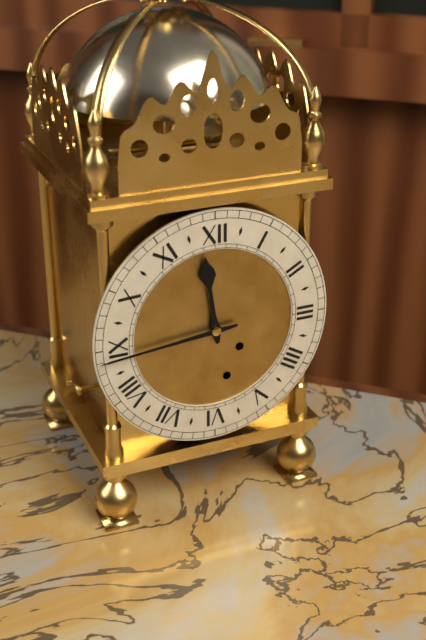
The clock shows **11:44**
